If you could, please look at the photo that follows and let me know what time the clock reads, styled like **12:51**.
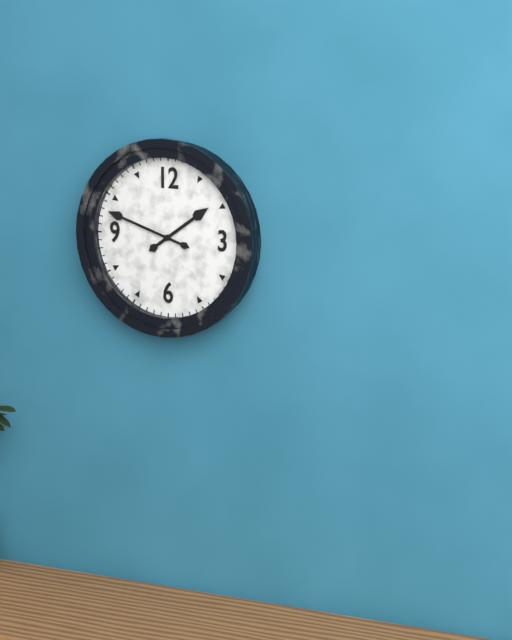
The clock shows **1:48**
